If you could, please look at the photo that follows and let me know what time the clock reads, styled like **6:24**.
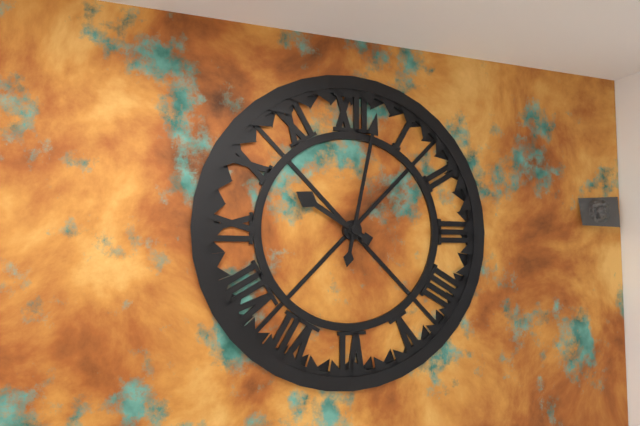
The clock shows **10:02**
